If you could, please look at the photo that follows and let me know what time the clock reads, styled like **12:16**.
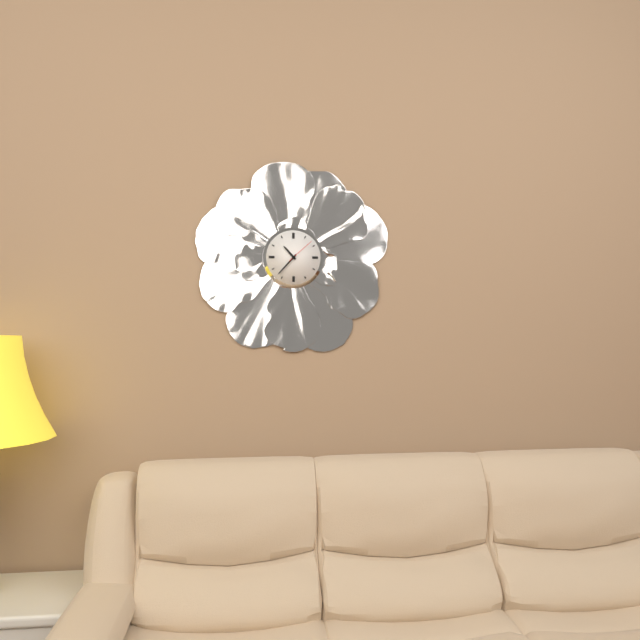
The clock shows **10:37**
